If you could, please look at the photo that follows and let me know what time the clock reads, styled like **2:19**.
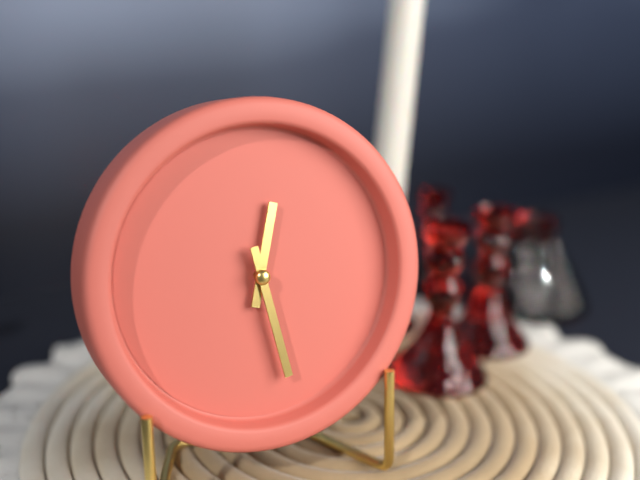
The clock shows **12:28**
